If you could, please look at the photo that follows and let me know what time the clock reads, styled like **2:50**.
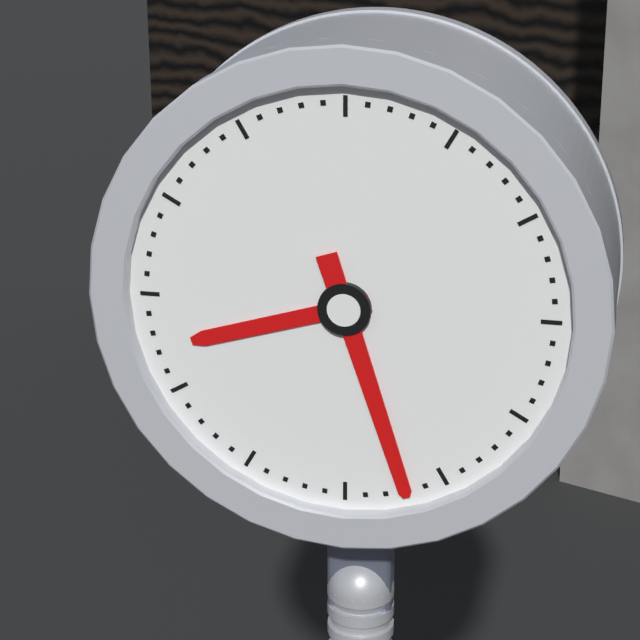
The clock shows **8:27**
